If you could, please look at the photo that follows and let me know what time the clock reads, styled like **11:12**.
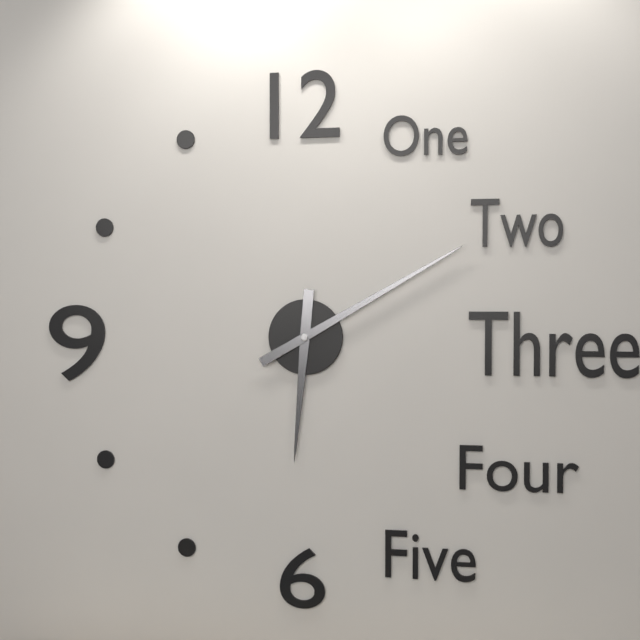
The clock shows **6:10**
